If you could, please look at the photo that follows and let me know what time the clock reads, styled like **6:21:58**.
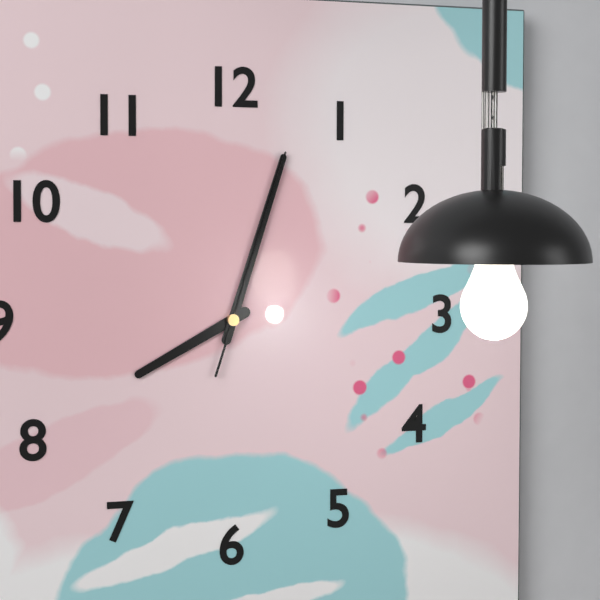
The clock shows **8:03:03**
